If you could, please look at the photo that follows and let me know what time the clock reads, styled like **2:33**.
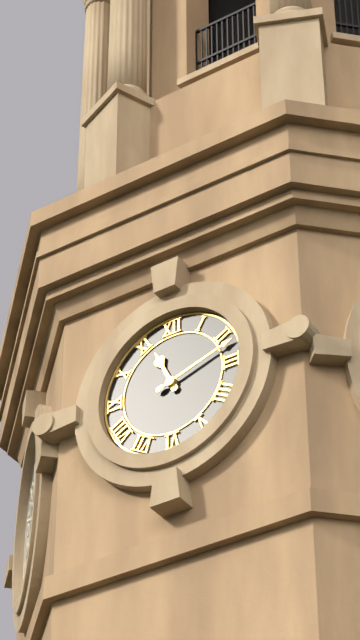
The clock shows **11:12**
